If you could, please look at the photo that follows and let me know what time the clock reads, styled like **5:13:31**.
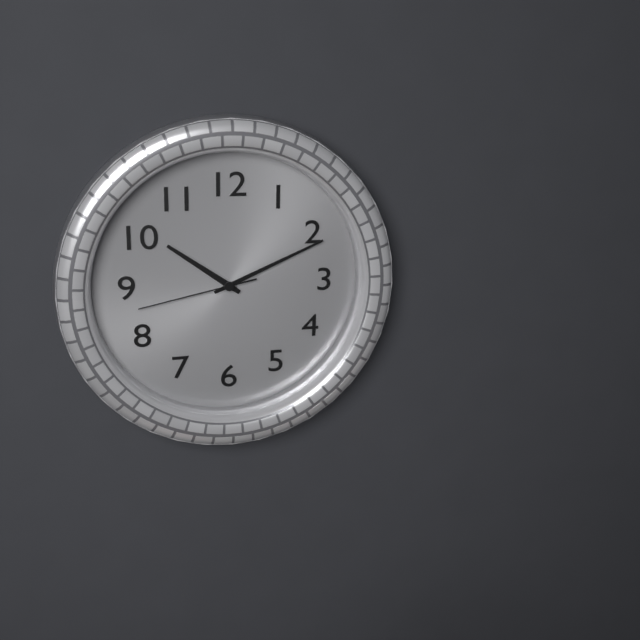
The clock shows **10:11:43**
